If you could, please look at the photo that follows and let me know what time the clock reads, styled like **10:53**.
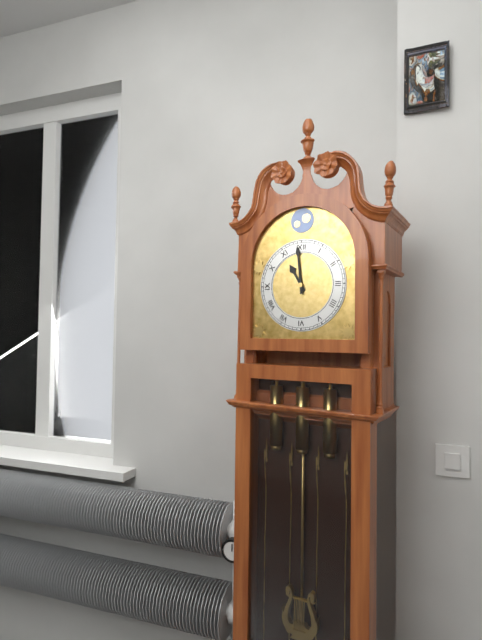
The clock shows **10:59**
